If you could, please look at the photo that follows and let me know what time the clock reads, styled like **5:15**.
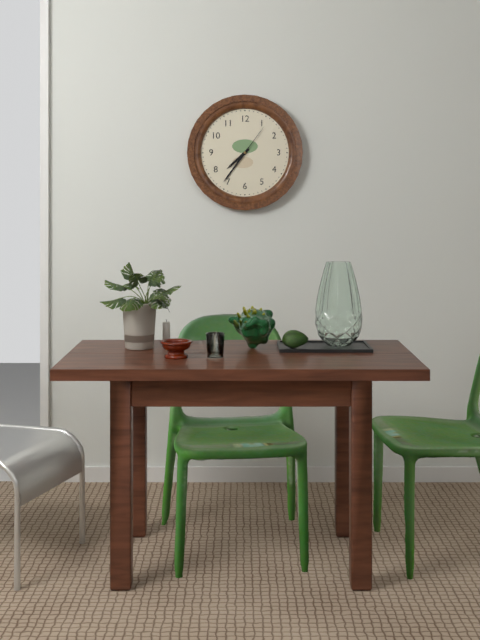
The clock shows **7:36**
